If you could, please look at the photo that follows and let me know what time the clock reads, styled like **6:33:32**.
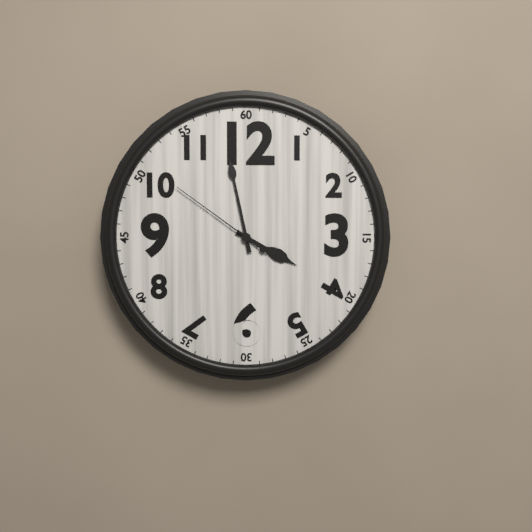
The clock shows **3:58:51**
